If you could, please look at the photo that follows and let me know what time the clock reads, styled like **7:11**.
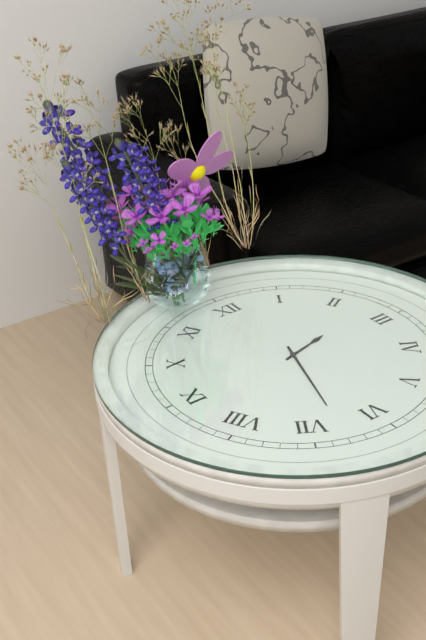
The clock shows **2:33**
